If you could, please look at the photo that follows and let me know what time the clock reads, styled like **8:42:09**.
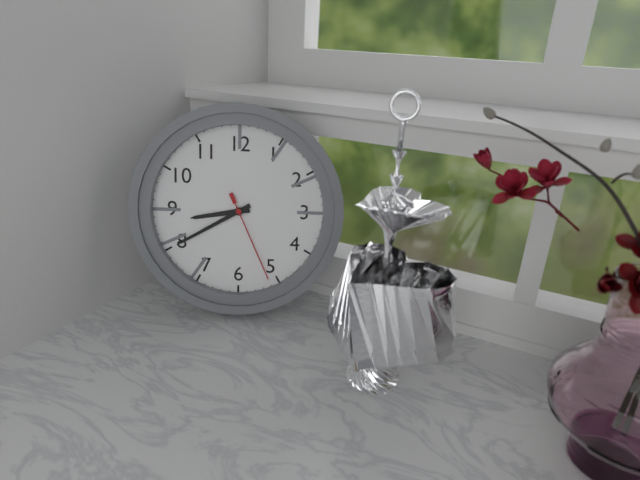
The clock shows **8:40:26**
